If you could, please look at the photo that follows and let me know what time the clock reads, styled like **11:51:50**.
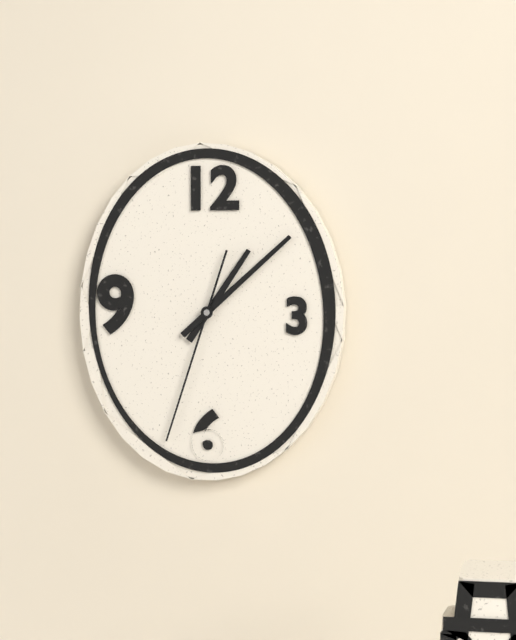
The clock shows **1:08:33**
